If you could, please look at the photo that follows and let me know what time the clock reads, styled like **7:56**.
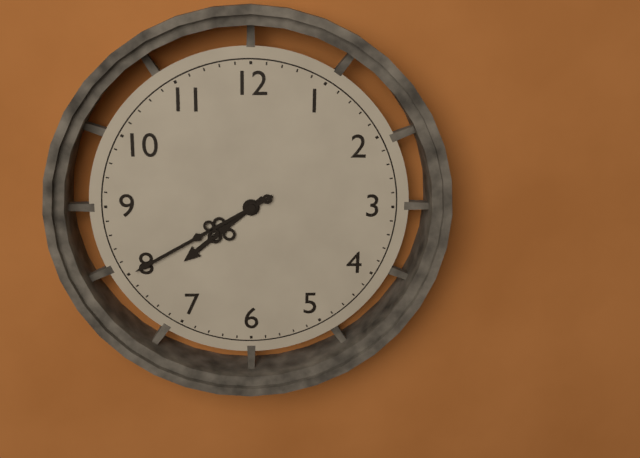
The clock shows **7:40**
